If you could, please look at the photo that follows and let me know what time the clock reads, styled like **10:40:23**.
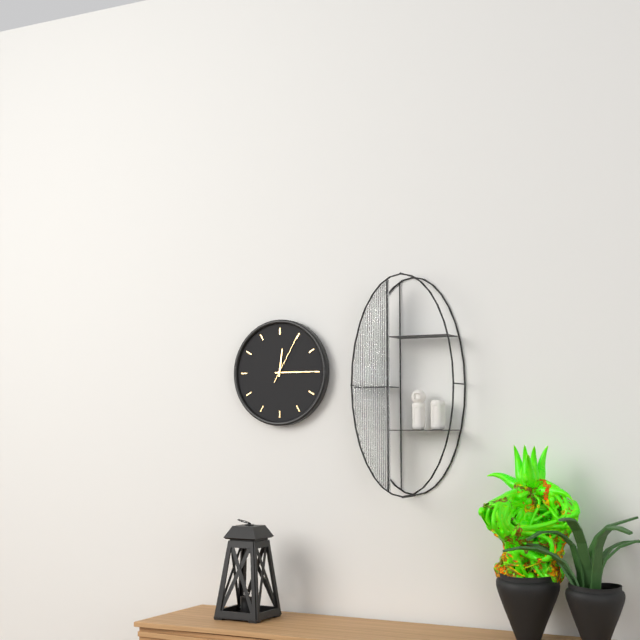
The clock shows **12:15:05**
